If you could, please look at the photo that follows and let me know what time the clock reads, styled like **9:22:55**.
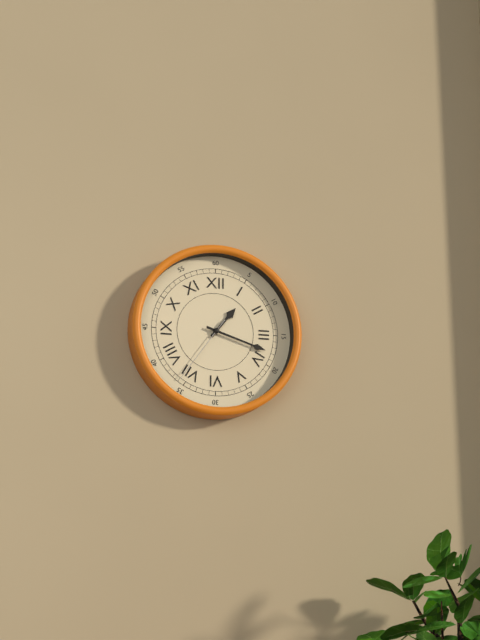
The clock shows **1:18:36**
